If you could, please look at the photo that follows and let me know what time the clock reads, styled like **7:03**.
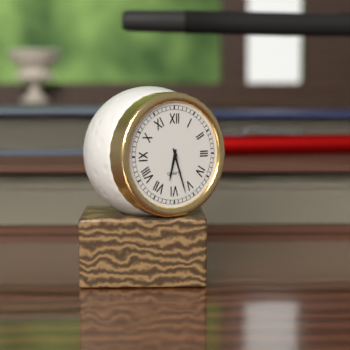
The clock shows **6:27**
